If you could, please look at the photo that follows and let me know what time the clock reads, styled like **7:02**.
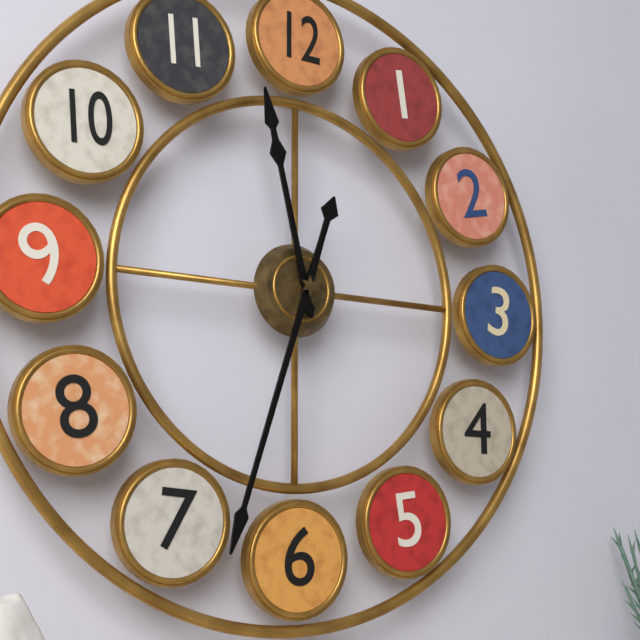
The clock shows **11:33**
